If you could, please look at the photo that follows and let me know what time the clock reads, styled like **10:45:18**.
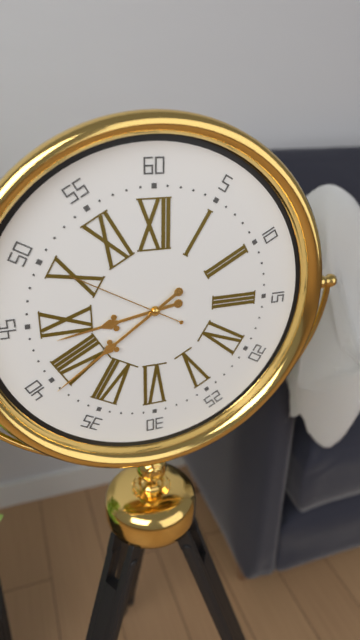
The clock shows **8:39:50**
